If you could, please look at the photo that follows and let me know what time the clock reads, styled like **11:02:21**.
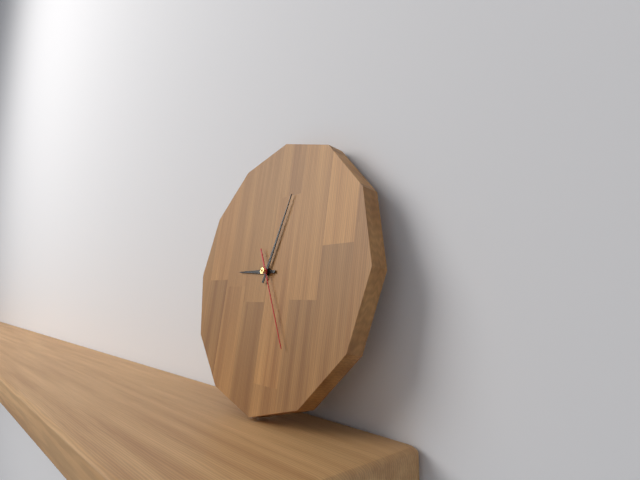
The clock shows **9:03:25**
